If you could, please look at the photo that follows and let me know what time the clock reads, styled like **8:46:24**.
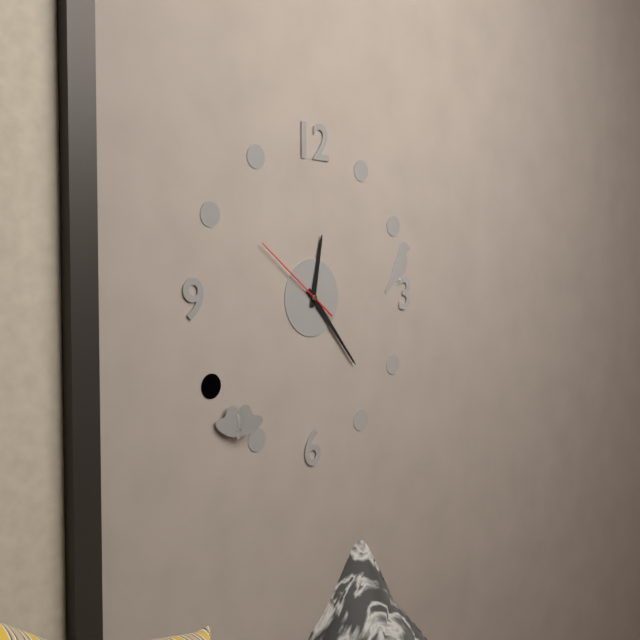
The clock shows **12:23:51**
